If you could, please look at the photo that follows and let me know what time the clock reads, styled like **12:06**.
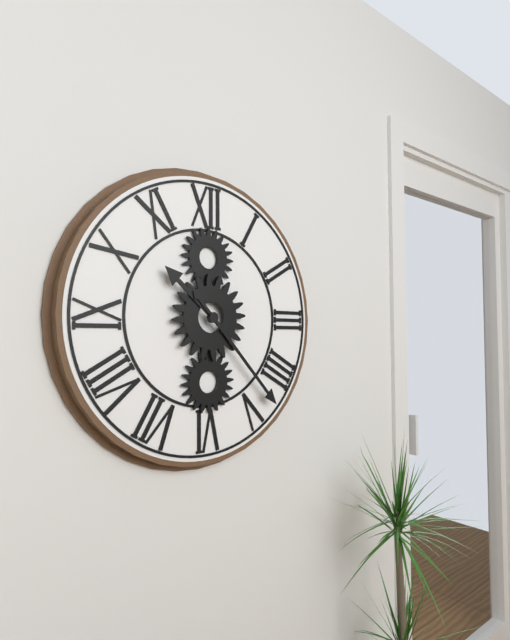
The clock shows **10:23**
